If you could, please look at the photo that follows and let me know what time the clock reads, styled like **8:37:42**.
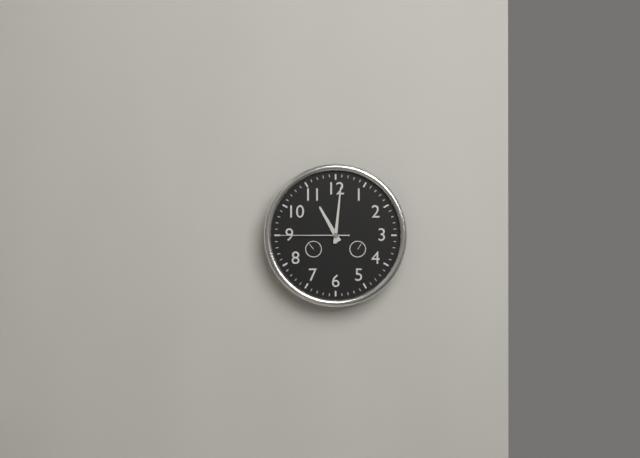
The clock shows **11:01:45**
